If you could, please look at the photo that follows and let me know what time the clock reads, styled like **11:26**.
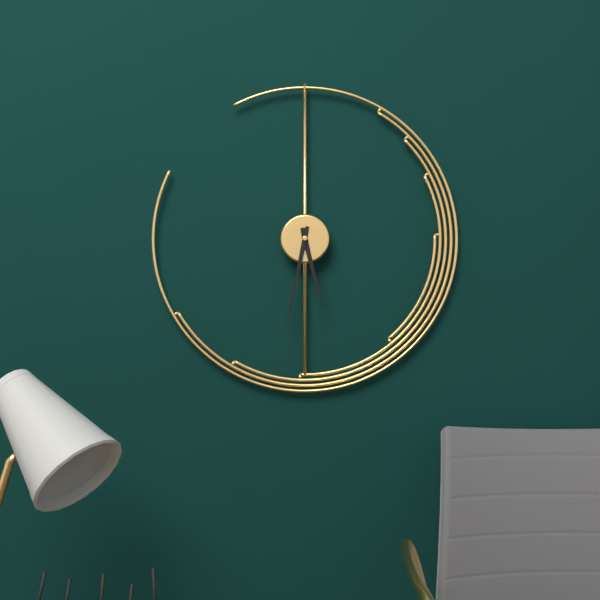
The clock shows **5:32**
